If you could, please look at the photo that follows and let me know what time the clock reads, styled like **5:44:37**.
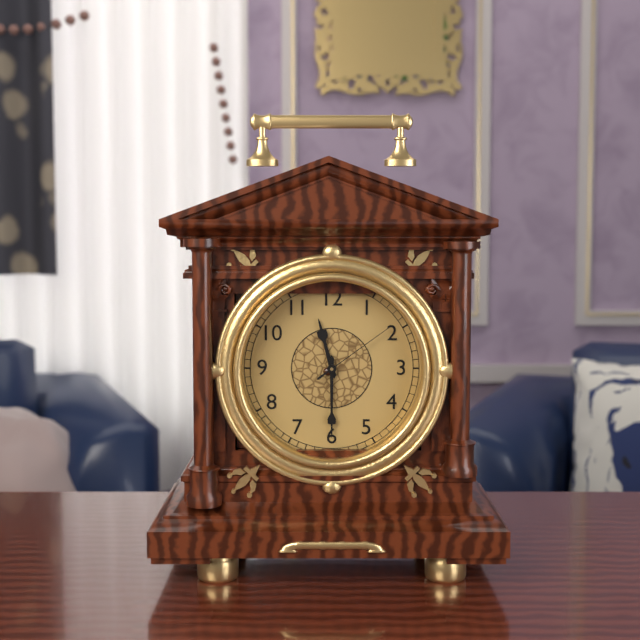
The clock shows **11:30:09**
